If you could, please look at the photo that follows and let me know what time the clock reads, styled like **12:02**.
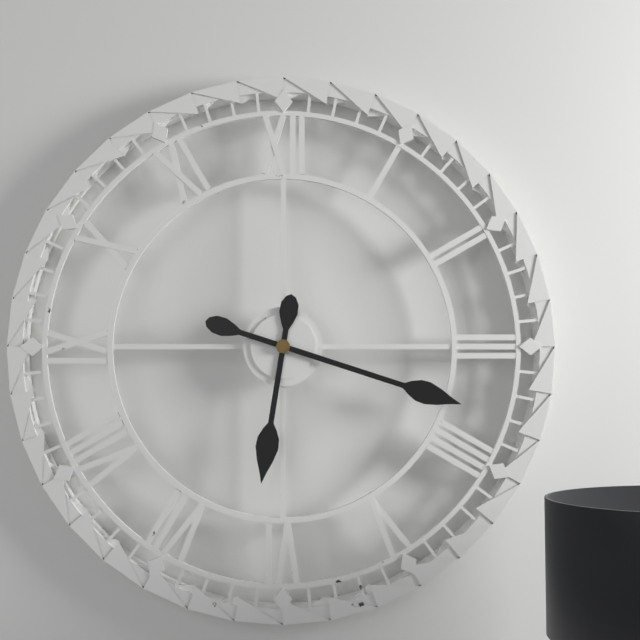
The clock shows **6:18**
